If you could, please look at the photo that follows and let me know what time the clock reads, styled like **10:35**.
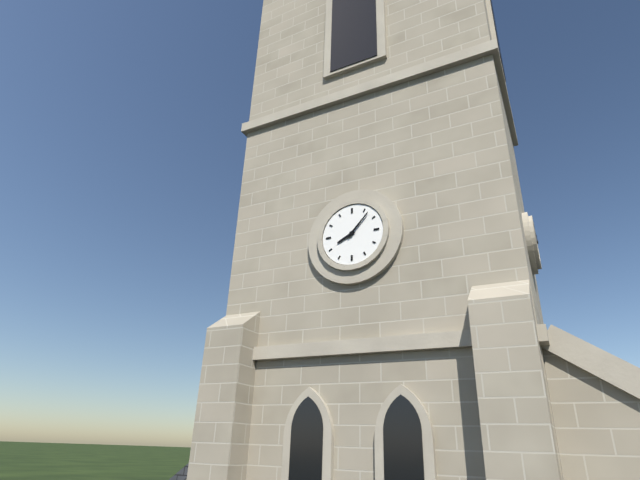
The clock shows **8:07**
